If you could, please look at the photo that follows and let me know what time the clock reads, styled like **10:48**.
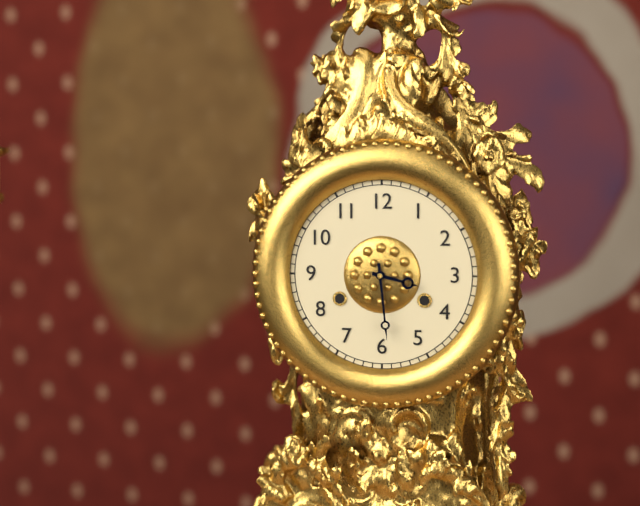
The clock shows **3:29**
